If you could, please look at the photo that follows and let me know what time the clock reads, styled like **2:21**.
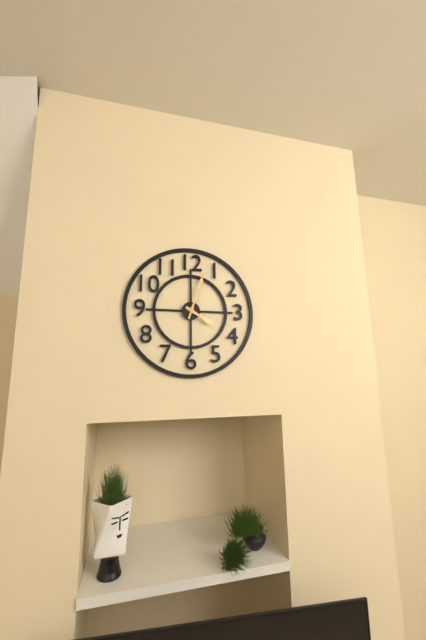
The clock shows **4:03**
